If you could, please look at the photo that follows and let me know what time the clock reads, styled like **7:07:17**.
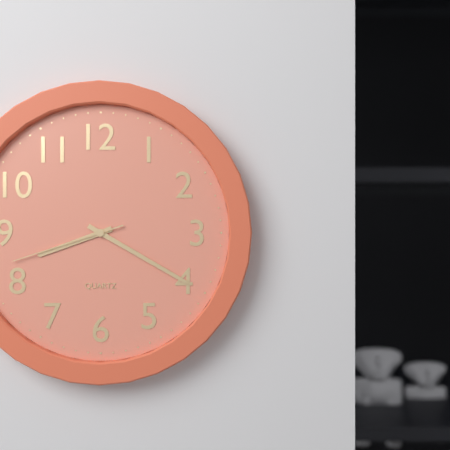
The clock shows **8:20:42**
